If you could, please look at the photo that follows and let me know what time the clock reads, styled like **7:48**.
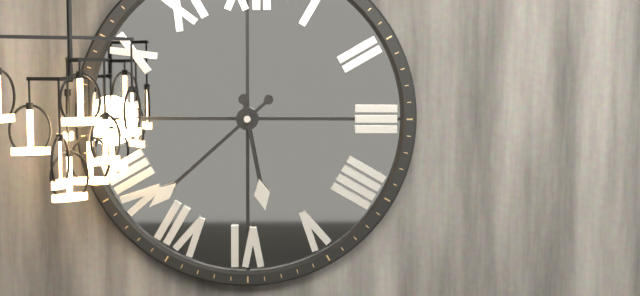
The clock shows **5:38**
